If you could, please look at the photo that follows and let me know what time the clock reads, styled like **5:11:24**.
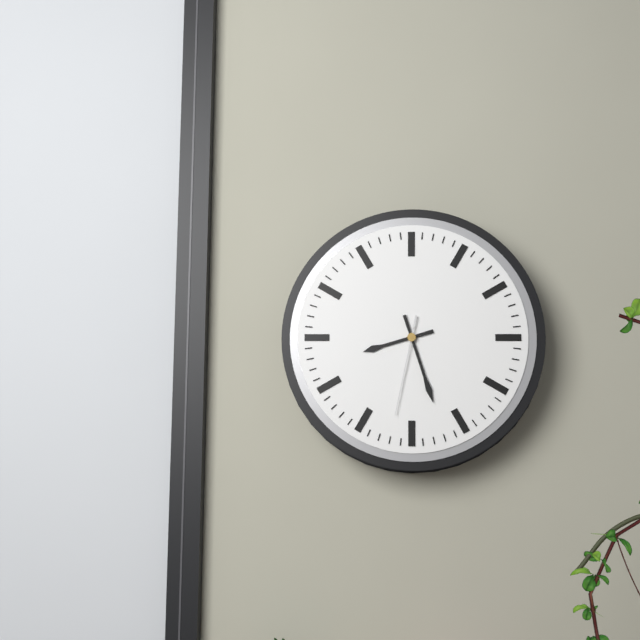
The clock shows **8:27:32**
